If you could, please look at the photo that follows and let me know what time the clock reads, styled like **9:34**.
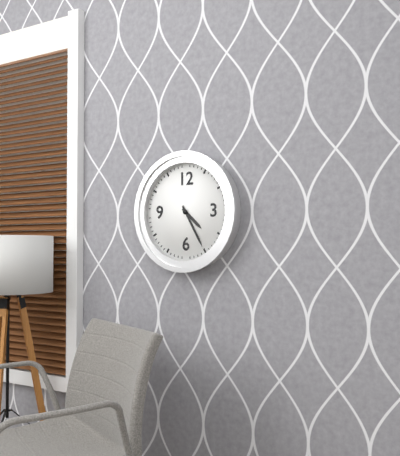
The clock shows **4:25**
